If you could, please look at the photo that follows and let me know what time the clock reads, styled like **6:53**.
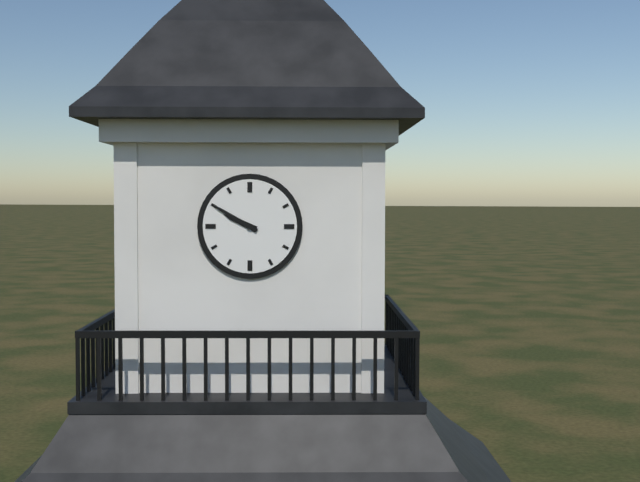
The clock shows **9:50**
